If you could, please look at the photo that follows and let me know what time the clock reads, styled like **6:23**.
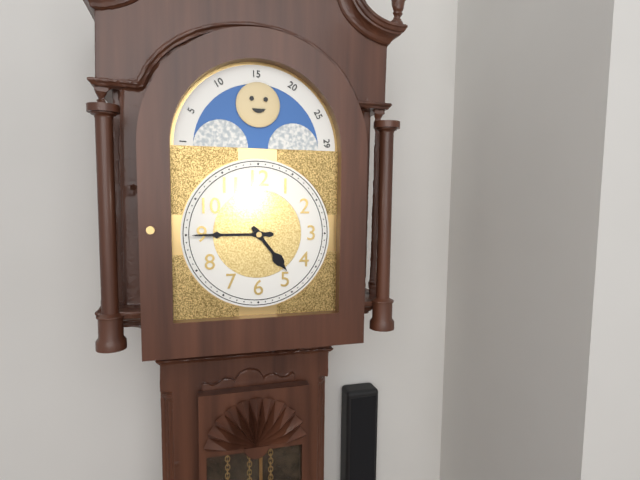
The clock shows **4:45**
